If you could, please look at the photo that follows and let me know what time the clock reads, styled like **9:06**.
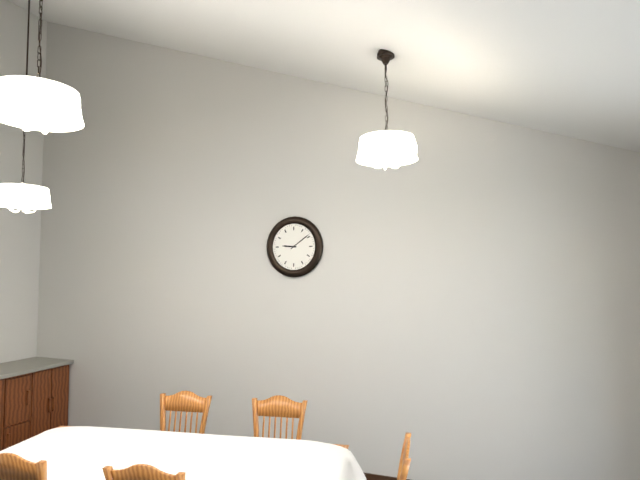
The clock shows **9:09**
